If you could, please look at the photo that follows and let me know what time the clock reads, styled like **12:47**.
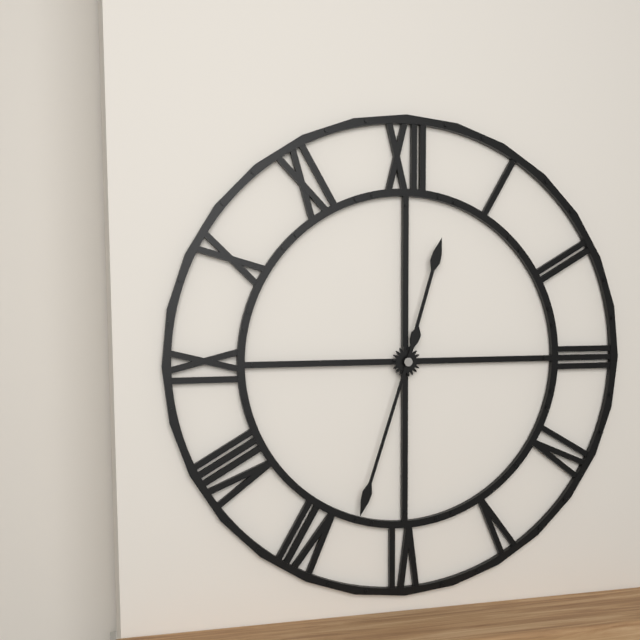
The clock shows **12:33**
